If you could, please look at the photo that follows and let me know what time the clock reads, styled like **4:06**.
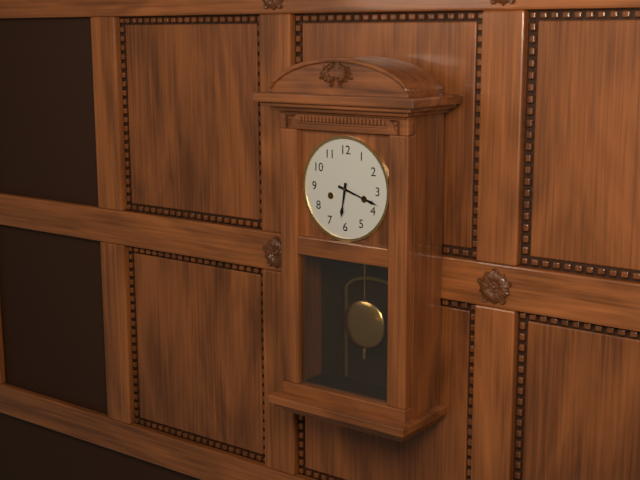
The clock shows **6:18**
